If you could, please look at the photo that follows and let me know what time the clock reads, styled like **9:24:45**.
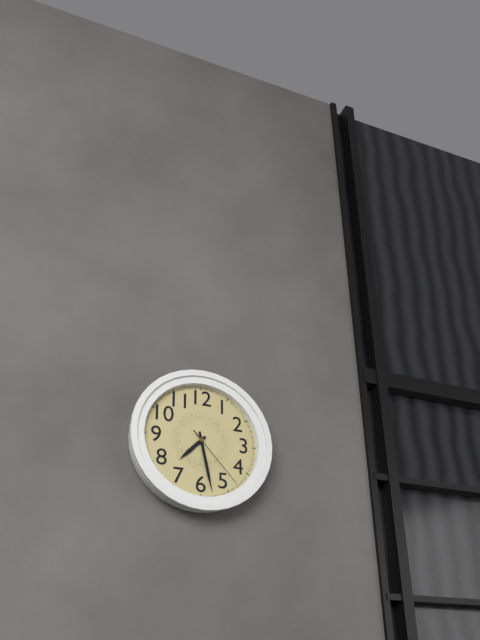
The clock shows **7:28:23**
